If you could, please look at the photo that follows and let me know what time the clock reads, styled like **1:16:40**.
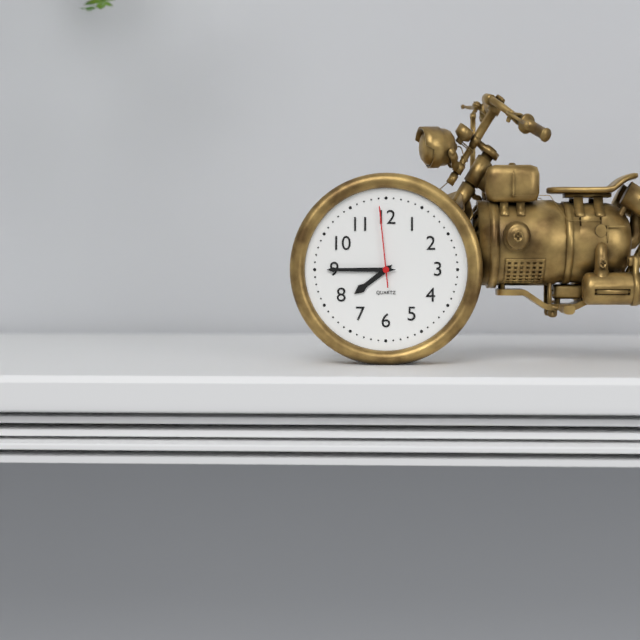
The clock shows **7:45:59**
